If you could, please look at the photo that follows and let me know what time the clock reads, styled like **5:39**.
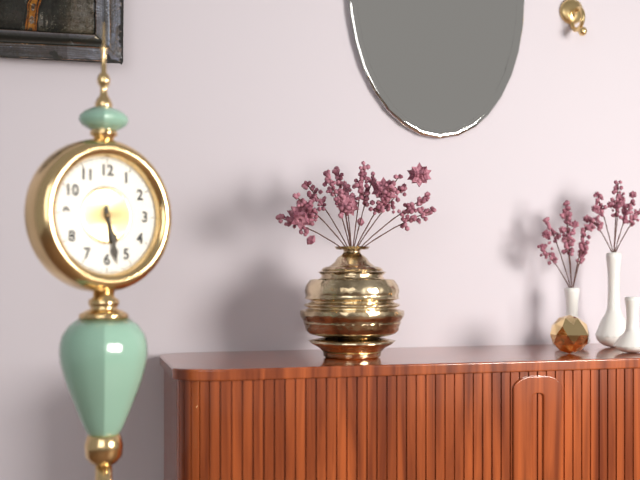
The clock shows **5:28**
